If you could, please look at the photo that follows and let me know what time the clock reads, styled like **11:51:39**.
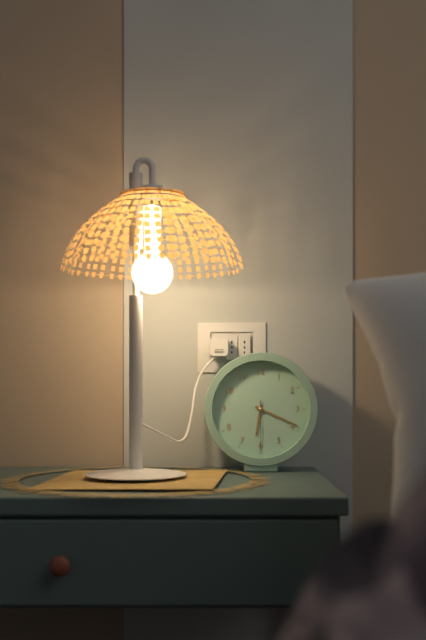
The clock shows **6:19:30**
